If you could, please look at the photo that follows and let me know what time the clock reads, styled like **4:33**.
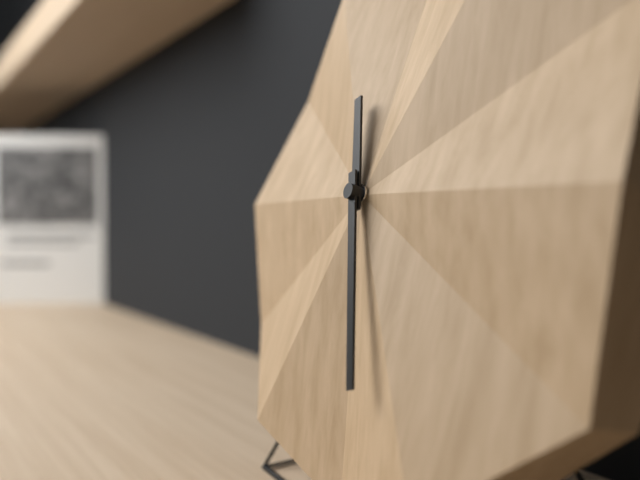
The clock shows **11:27**
